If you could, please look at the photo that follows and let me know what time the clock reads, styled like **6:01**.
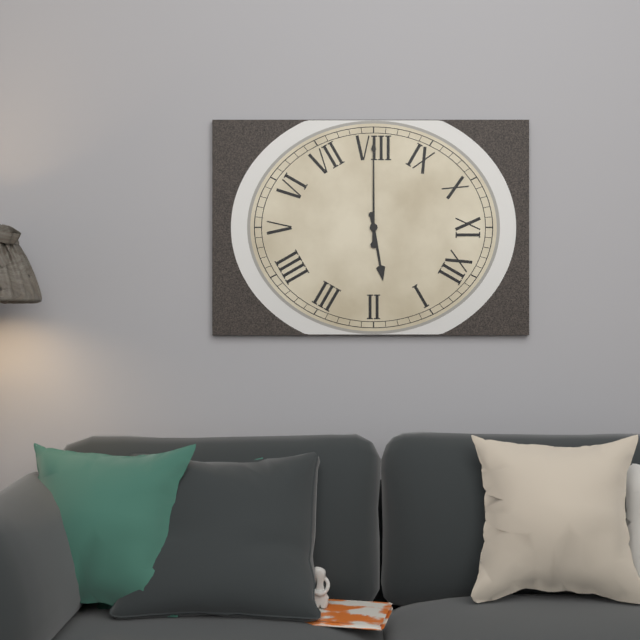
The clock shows **1:40**
